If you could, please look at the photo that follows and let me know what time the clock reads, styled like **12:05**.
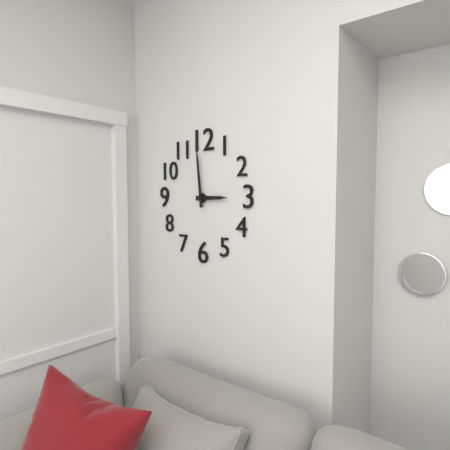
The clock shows **2:59**
